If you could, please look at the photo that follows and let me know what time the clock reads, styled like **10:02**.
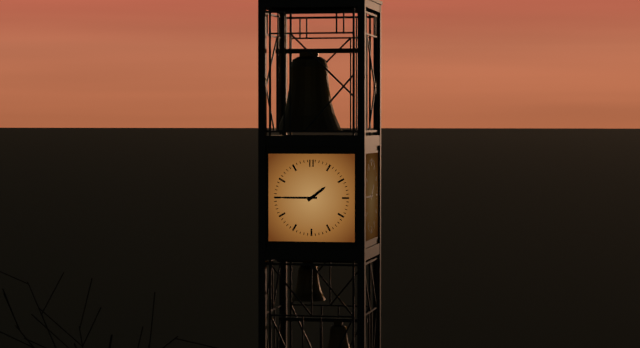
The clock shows **1:45**
